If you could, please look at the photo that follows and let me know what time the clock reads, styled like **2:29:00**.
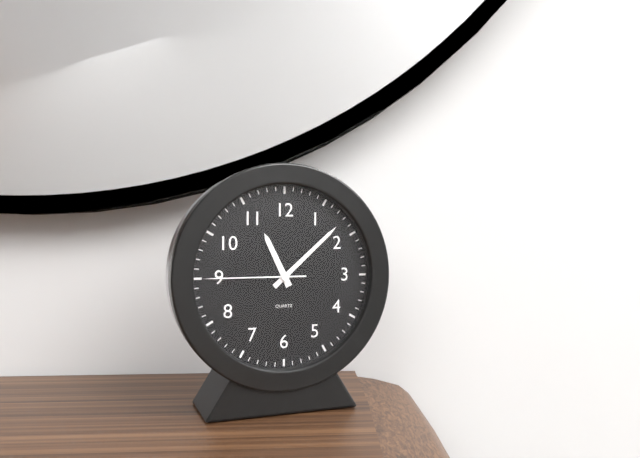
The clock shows **11:08:45**
